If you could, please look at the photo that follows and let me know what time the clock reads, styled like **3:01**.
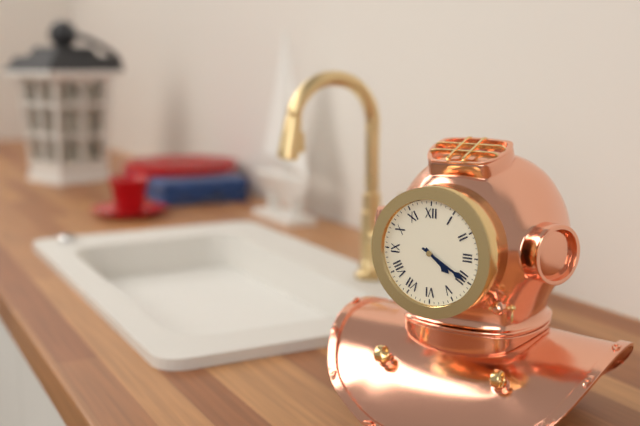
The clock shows **4:20**
